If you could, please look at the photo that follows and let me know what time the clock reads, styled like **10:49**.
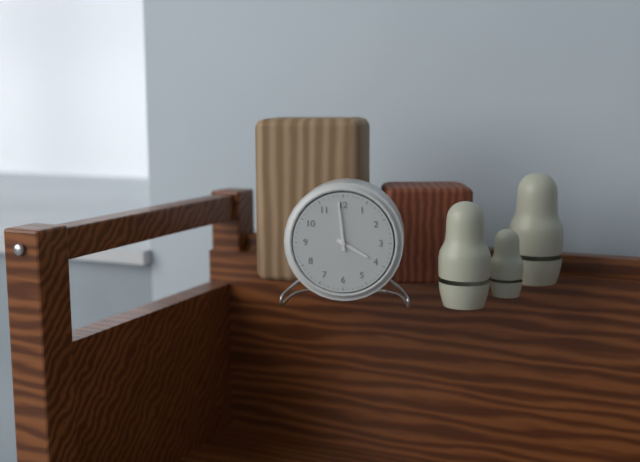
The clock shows **3:59**
